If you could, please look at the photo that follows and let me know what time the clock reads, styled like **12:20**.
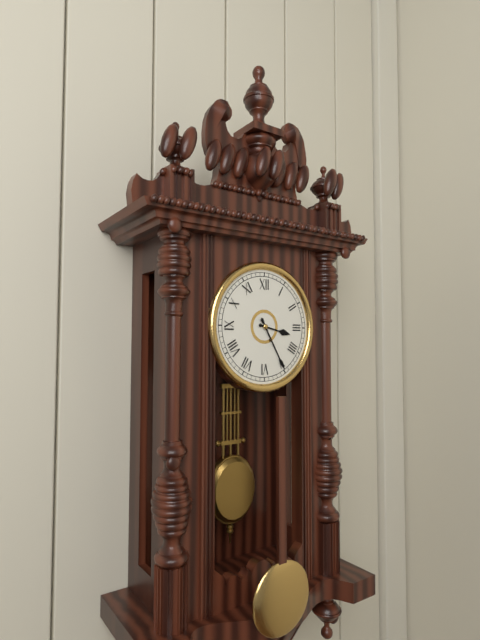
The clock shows **3:25**
